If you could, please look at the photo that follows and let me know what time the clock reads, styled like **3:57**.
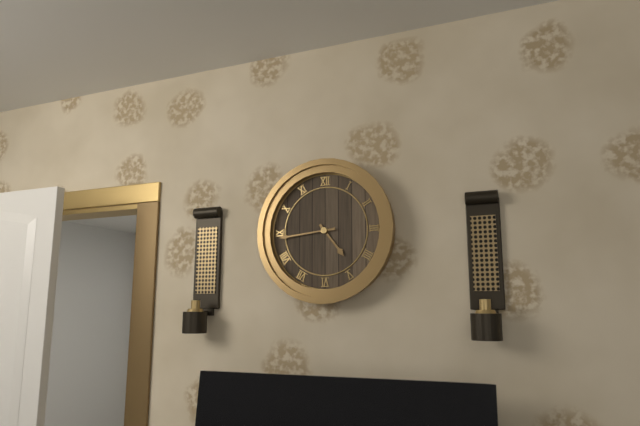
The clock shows **4:44**
